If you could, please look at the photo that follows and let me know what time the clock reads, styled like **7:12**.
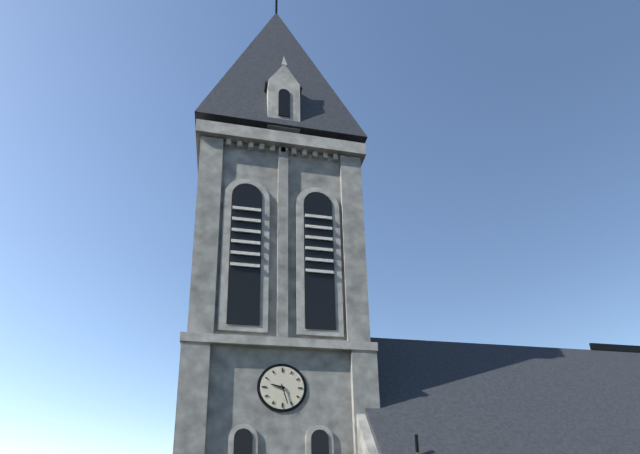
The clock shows **9:27**
